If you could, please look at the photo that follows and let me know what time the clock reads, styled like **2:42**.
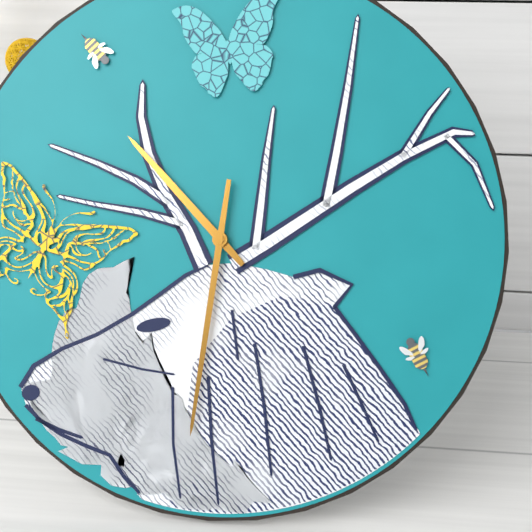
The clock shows **10:31**
